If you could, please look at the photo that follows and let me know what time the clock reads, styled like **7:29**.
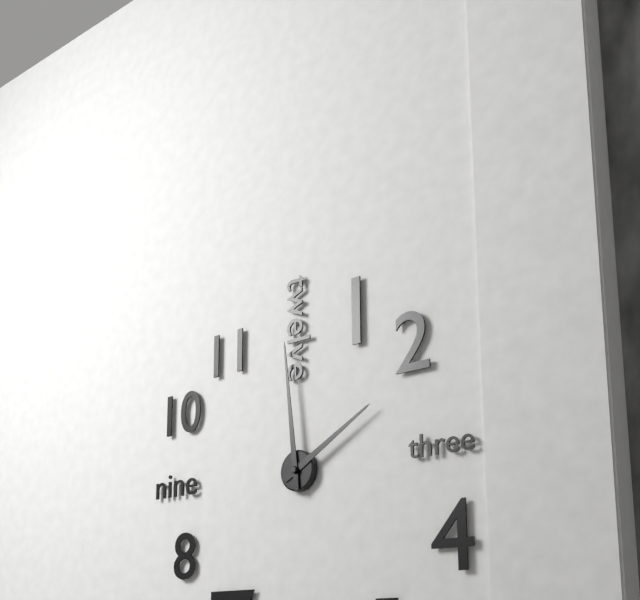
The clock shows **1:59**
